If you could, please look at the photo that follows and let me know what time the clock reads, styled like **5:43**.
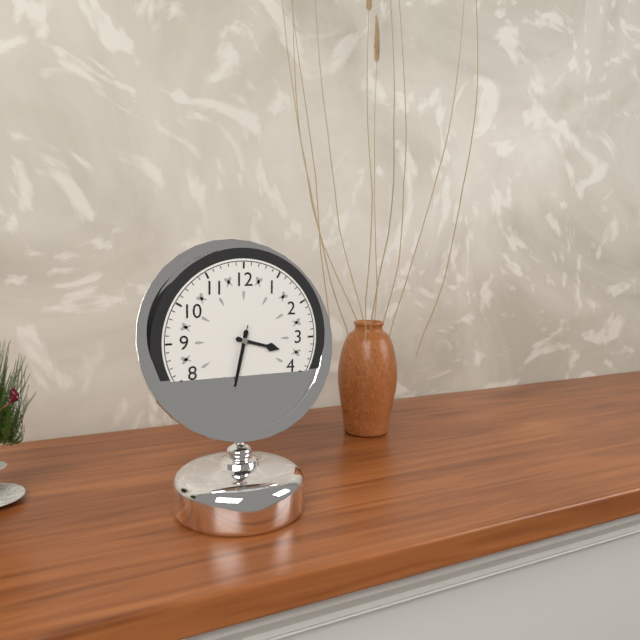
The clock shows **3:32**
